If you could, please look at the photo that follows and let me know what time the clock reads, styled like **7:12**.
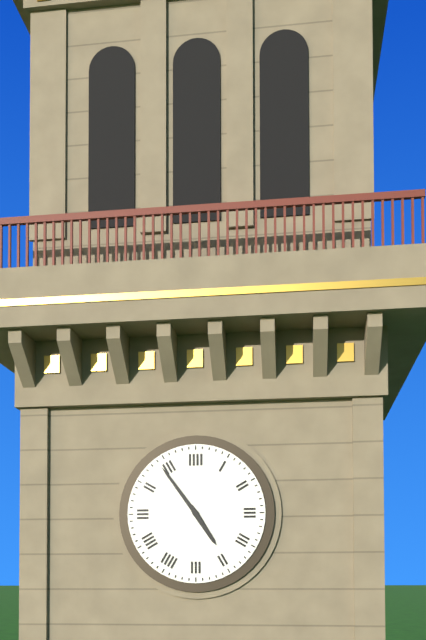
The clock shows **4:54**
